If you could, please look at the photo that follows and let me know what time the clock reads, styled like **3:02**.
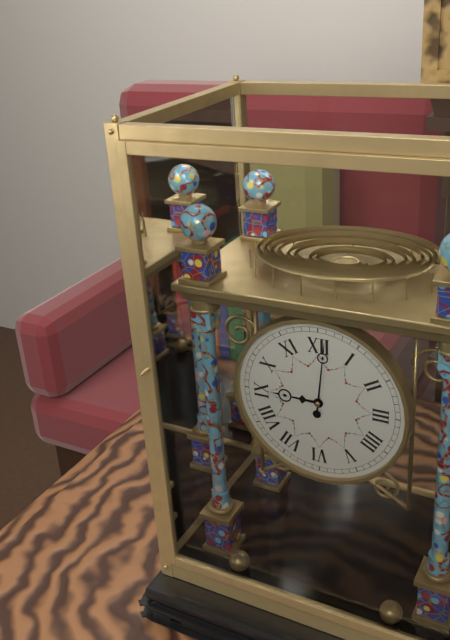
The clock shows **9:01**
